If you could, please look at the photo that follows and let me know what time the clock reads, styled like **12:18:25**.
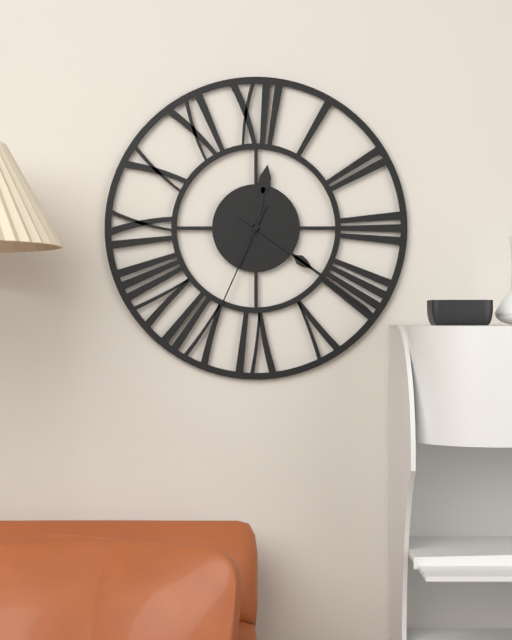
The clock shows **12:21:34**
